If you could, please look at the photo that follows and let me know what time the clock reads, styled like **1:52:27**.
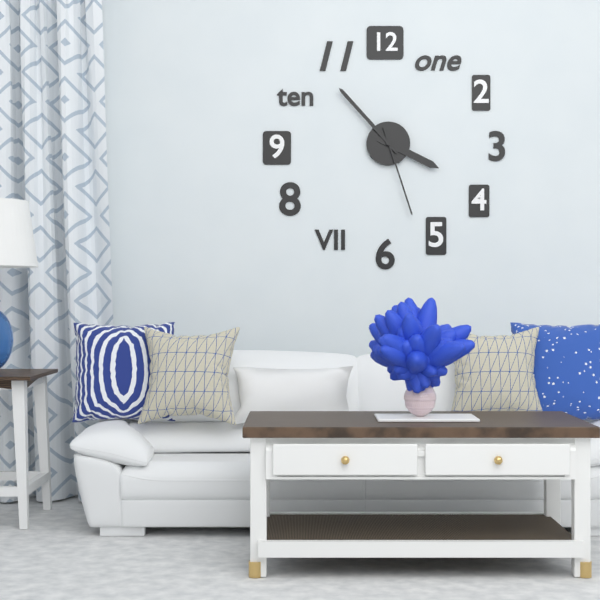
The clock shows **3:53:27**
